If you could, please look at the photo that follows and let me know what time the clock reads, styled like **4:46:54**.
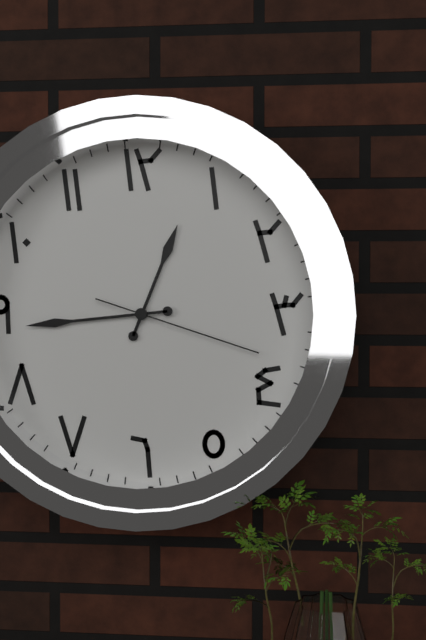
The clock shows **12:44:18**
